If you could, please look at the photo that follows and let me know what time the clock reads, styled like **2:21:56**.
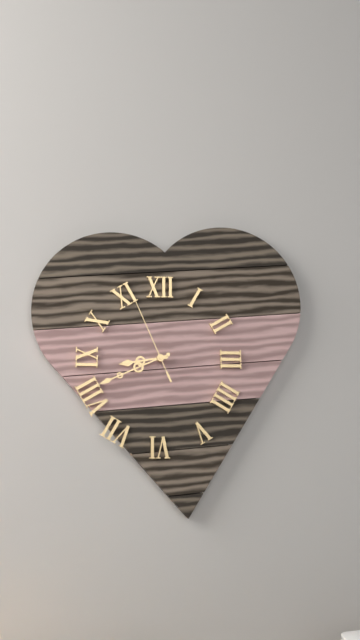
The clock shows **8:41:56**
